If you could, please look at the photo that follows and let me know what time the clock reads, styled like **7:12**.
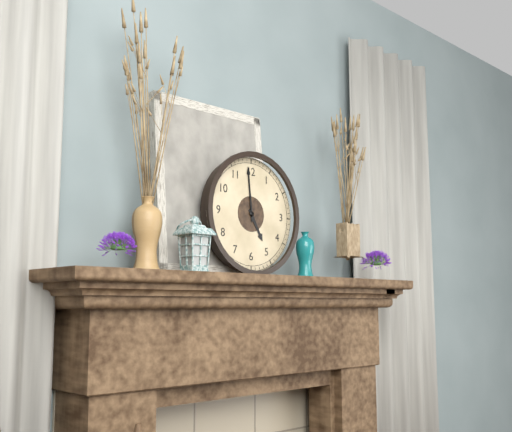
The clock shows **4:59**
